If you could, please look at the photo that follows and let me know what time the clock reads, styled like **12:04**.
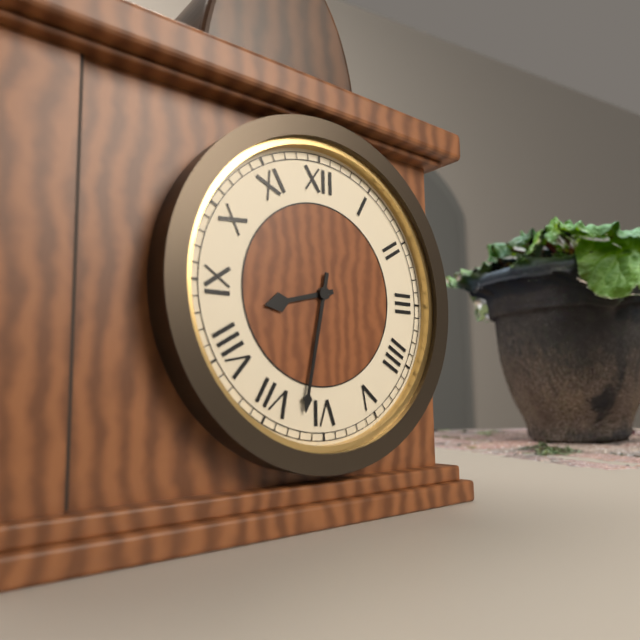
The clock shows **8:32**
